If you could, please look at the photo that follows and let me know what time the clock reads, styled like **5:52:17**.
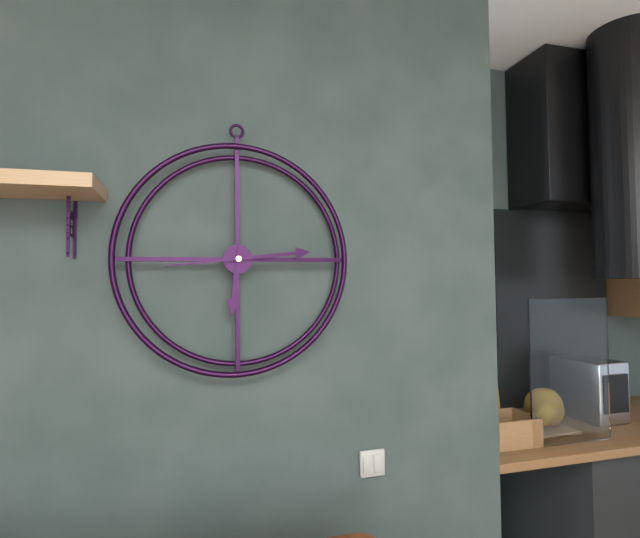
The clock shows **6:14:44**
